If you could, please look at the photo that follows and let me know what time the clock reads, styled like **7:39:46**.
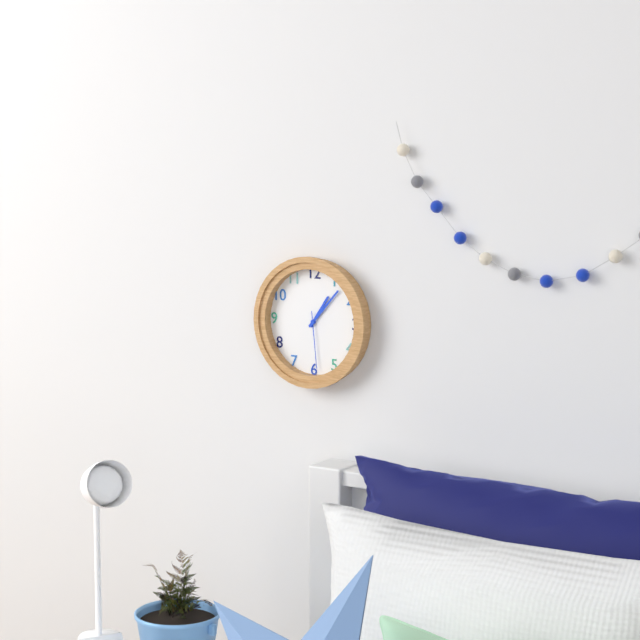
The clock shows **1:07:29**
